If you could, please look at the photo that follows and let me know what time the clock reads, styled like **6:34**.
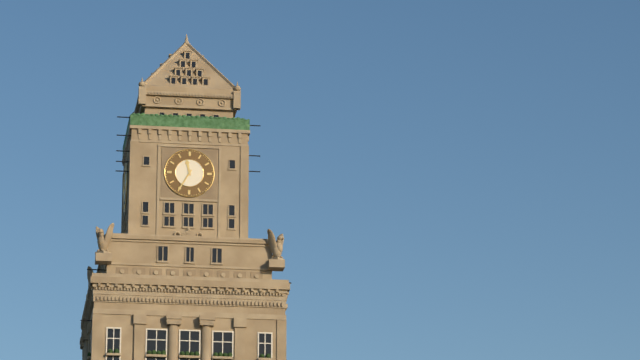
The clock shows **11:35**
